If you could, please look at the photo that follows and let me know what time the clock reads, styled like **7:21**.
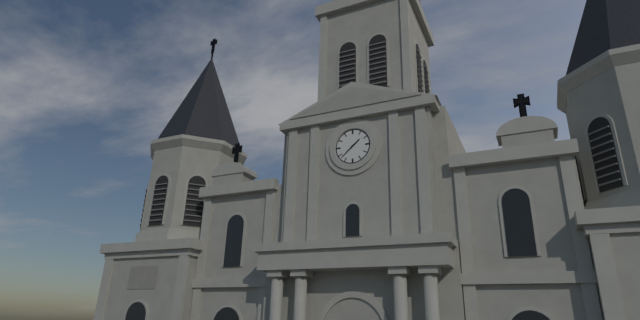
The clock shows **1:38**
